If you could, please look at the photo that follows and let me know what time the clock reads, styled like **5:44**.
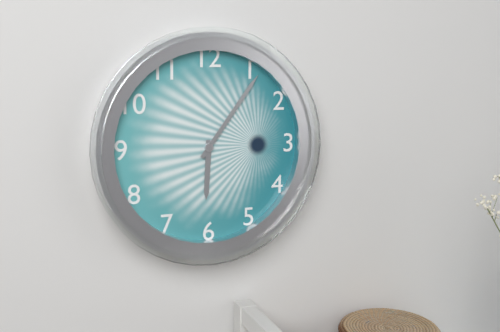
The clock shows **6:06**
